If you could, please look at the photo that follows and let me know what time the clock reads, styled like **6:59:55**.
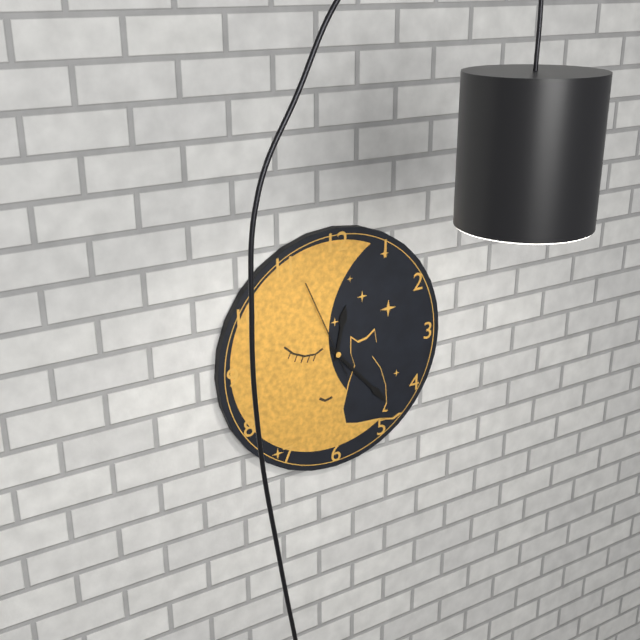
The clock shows **12:23:56**
